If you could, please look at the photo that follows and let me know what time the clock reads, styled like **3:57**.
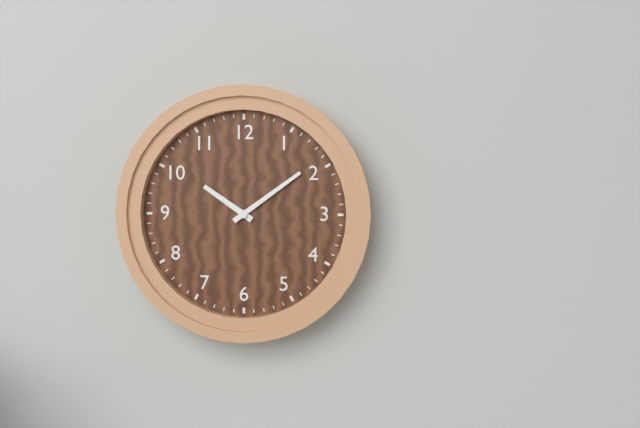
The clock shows **10:09**
